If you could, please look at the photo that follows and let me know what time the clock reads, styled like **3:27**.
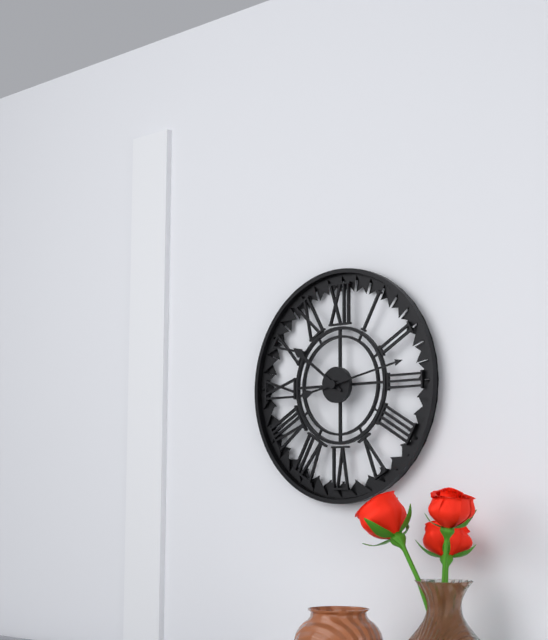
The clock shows **10:13**
